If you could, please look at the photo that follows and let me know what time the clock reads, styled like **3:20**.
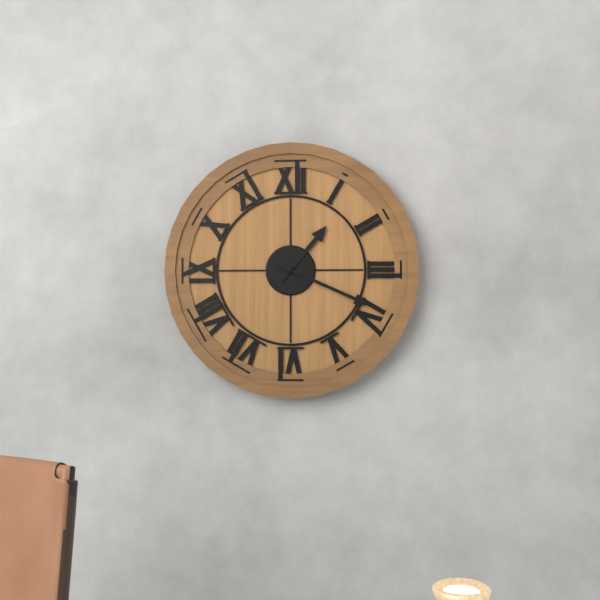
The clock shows **1:19**
